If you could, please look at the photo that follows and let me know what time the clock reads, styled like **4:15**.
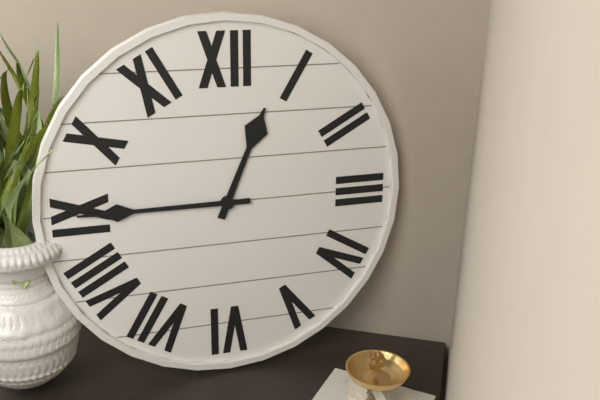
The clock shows **12:45**
